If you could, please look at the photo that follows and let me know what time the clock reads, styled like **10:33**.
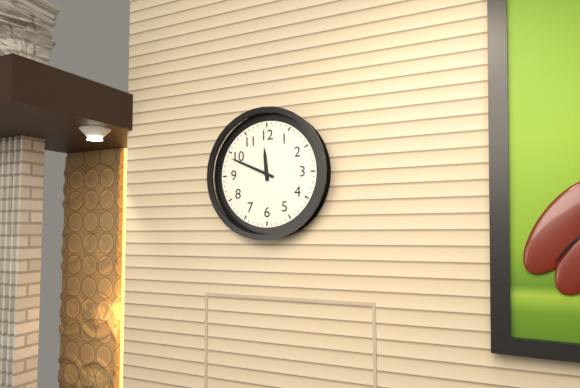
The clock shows **11:49**
